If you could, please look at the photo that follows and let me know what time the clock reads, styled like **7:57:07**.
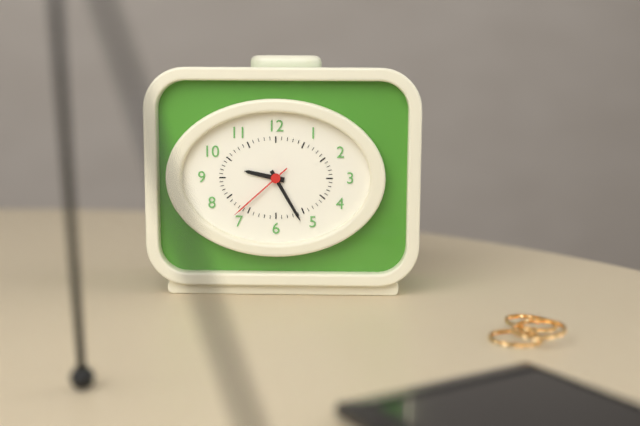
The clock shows **9:25:38**
